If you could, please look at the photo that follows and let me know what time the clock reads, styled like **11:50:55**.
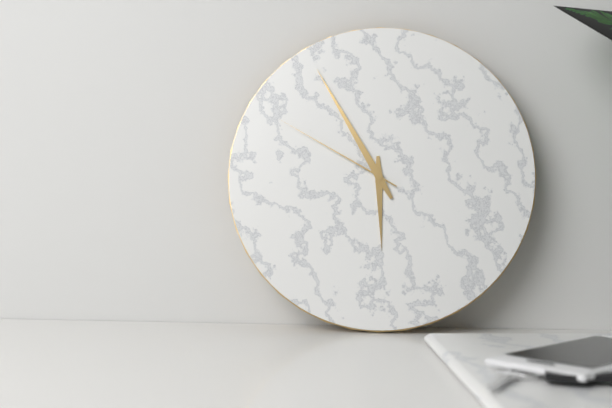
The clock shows **5:55:50**
